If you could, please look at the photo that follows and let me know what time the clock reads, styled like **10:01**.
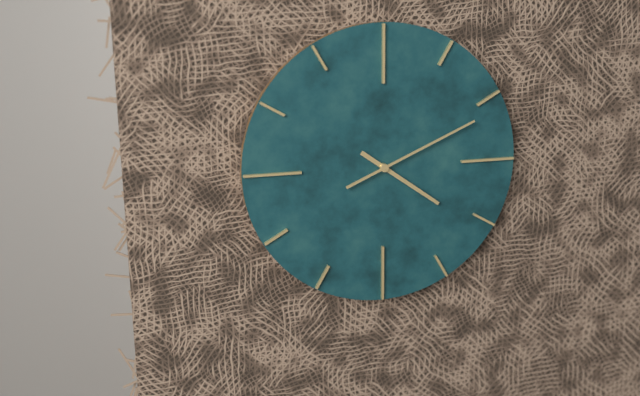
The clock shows **4:11**
